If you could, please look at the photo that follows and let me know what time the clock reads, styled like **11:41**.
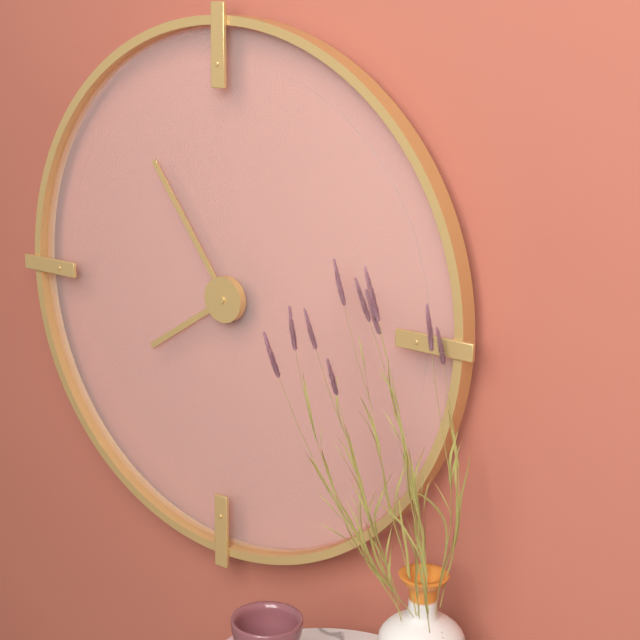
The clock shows **7:54**
